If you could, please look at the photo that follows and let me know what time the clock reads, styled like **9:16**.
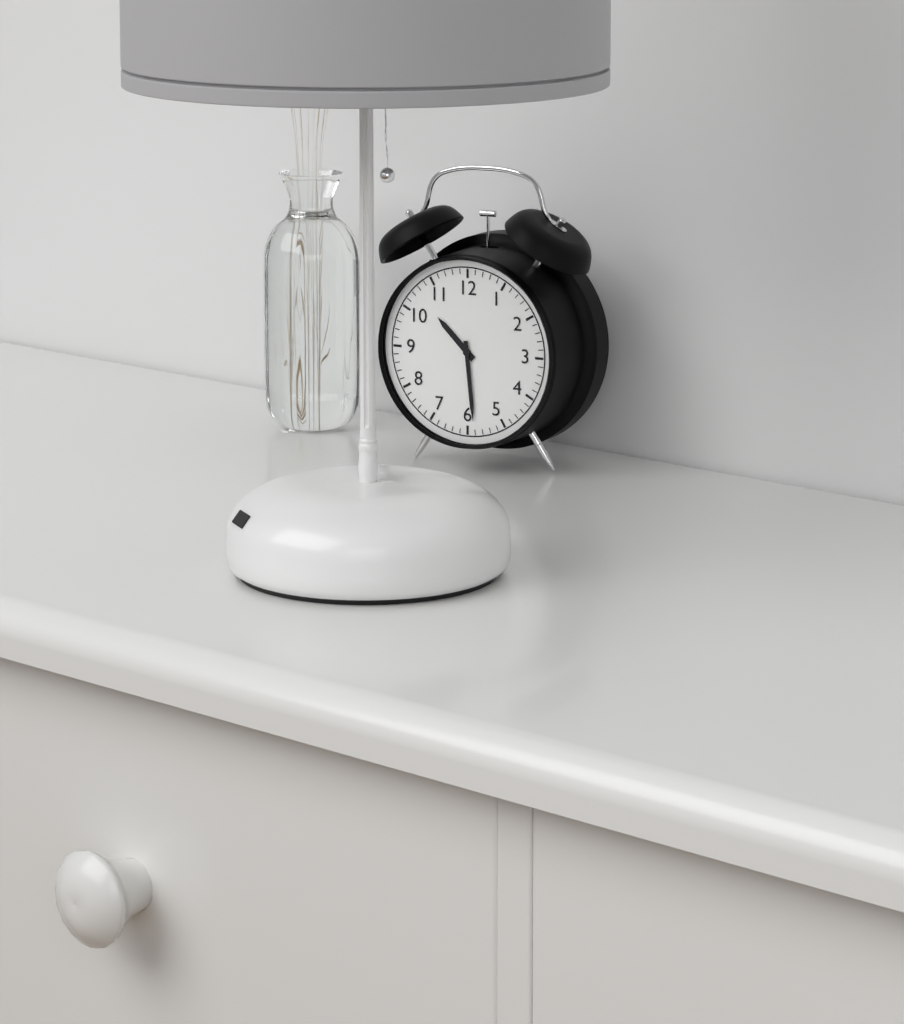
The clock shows **10:29**
